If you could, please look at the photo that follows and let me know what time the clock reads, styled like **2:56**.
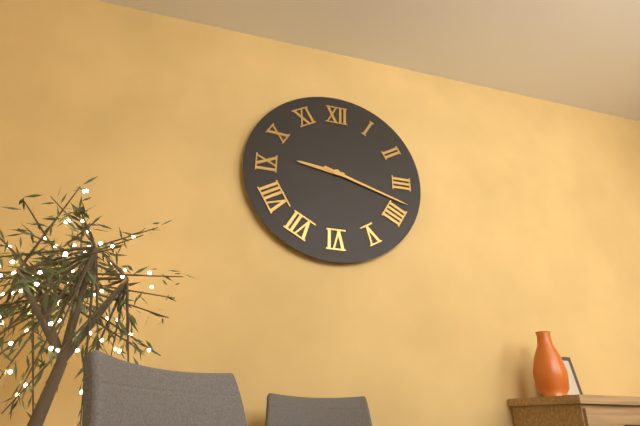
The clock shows **9:18**
